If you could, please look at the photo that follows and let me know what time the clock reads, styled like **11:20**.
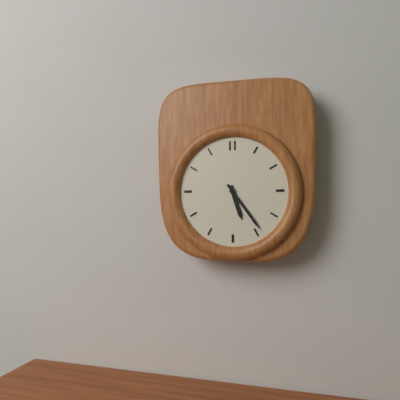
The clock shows **5:24**
